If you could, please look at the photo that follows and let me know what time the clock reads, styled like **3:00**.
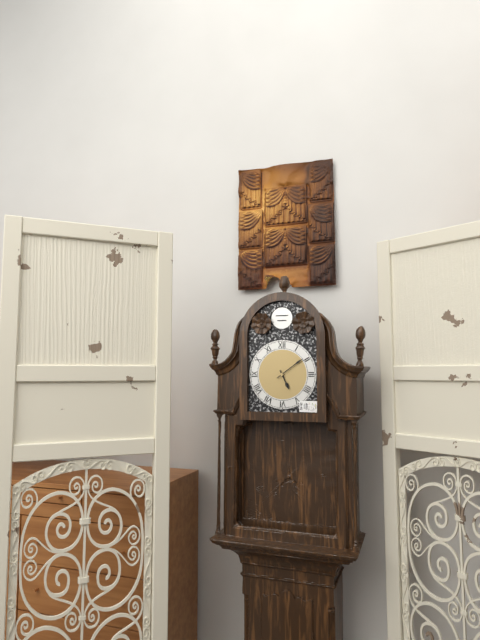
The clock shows **5:09**
